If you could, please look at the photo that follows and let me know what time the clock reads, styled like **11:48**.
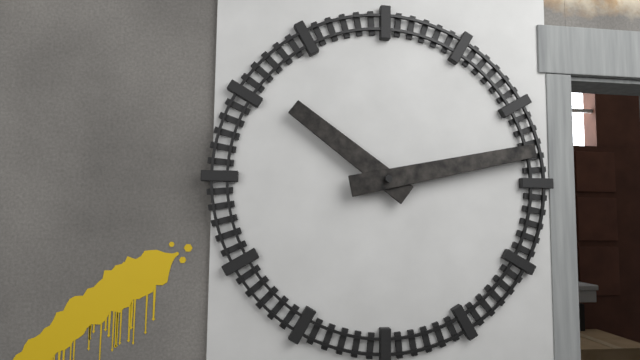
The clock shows **10:13**
